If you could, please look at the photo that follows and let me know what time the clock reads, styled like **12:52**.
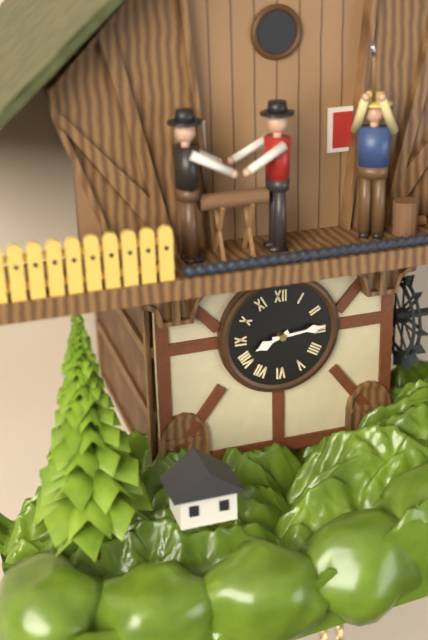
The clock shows **8:14**
